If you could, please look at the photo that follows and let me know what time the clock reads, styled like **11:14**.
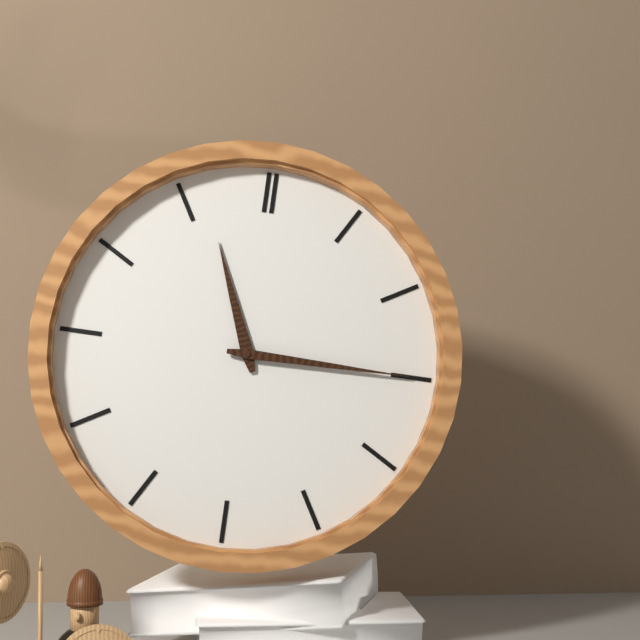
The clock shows **11:15**
